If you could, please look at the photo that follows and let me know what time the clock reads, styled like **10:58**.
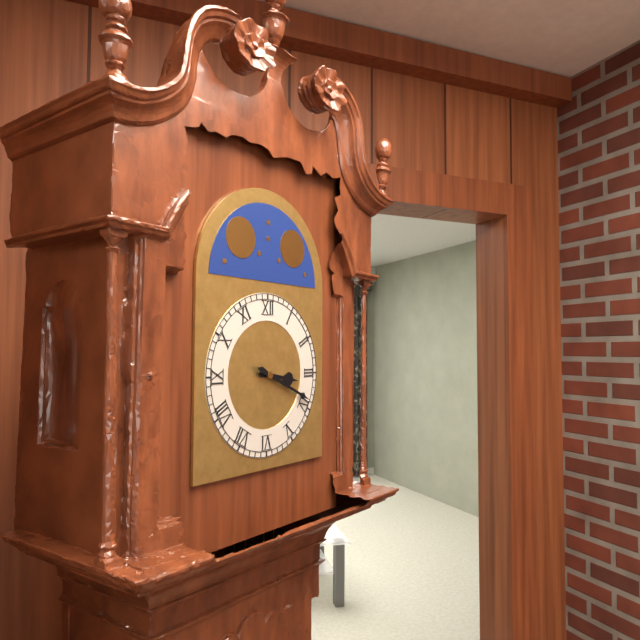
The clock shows **3:19**
